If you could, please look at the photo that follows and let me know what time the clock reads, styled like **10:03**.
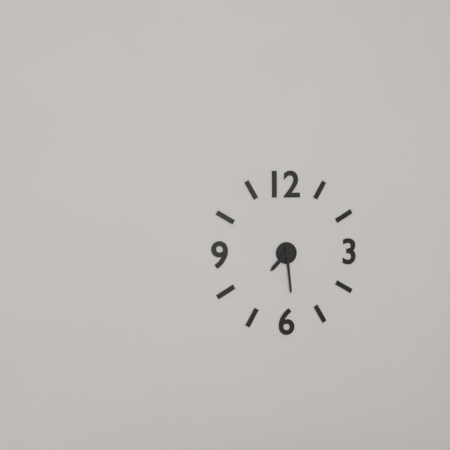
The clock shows **7:29**
